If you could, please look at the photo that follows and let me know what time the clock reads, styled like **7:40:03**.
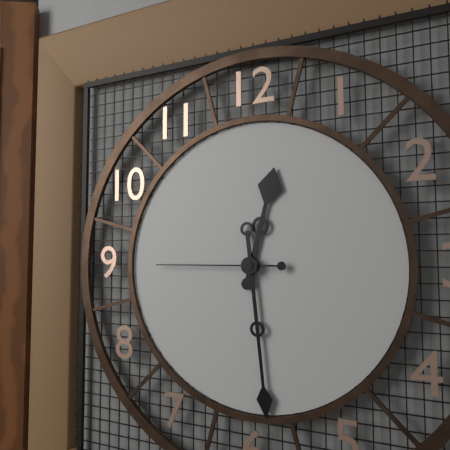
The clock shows **12:29:45**
